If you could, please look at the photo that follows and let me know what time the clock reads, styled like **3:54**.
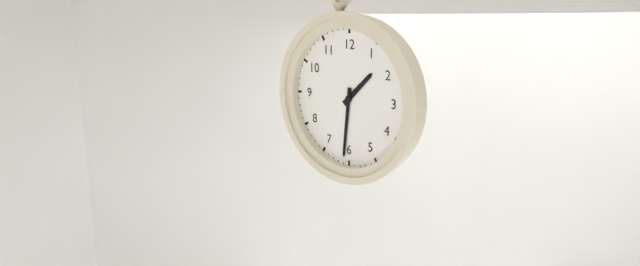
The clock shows **1:31**
